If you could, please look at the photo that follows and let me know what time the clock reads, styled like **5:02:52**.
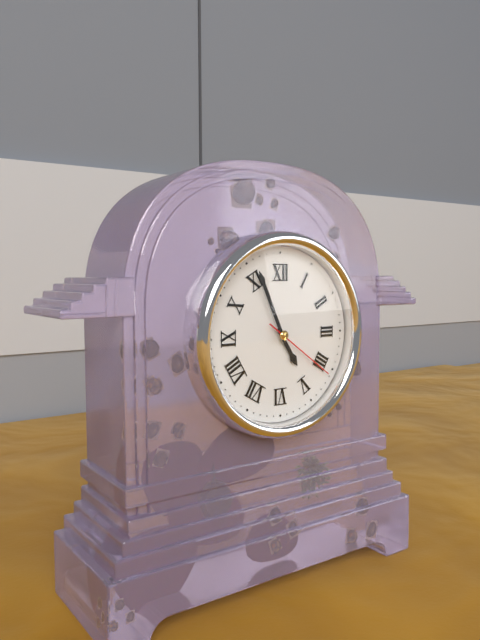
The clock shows **4:56:21**
